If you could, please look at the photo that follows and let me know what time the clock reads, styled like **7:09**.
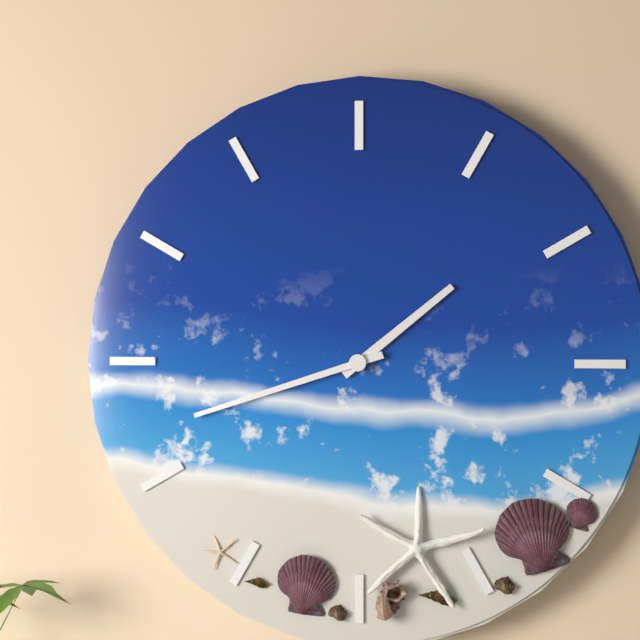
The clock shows **1:42**
